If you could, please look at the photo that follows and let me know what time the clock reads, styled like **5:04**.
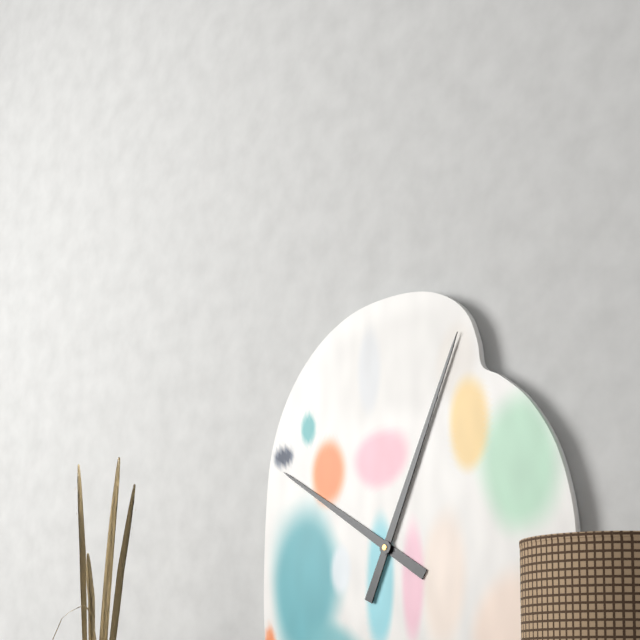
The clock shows **10:04**
